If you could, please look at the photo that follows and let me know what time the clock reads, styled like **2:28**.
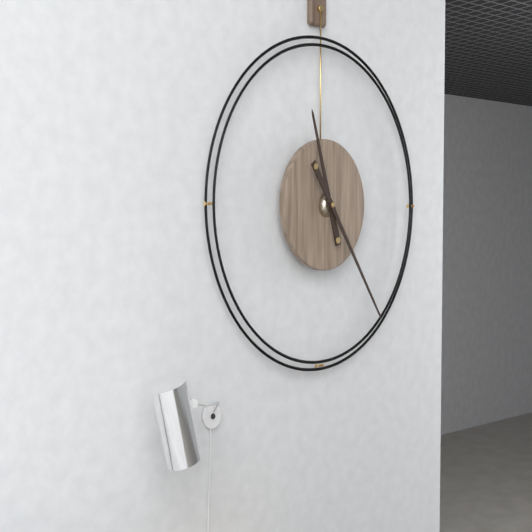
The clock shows **11:24**
